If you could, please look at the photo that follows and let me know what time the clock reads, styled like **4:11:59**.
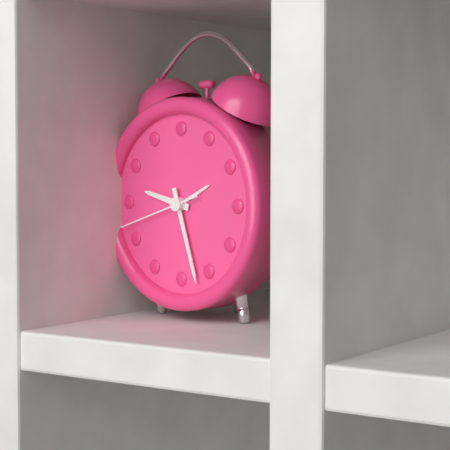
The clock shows **9:27:42**
